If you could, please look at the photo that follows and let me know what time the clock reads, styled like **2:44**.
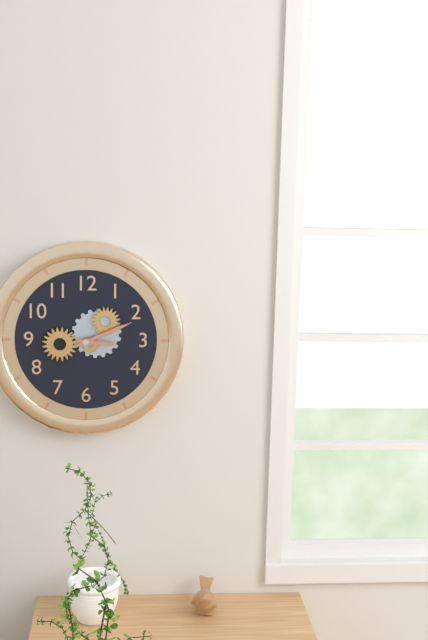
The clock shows **3:11**
